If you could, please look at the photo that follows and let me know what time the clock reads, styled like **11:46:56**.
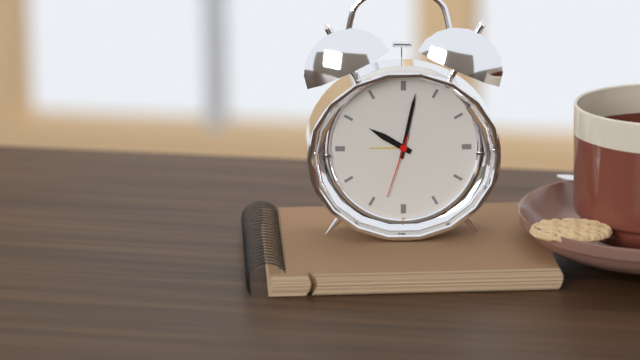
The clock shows **10:02:33**
